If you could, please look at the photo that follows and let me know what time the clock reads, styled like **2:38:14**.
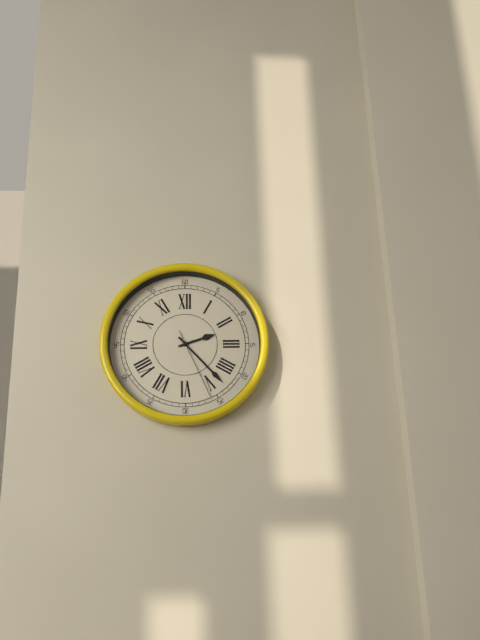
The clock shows **2:23:26**
